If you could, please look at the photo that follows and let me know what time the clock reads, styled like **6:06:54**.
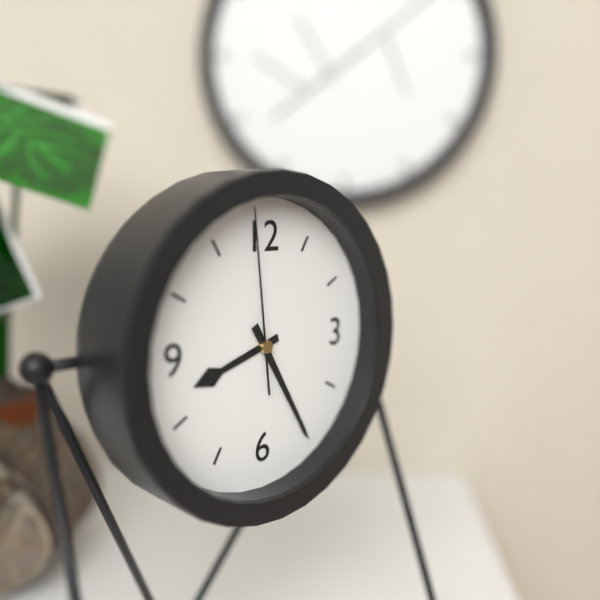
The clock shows **8:25:59**
